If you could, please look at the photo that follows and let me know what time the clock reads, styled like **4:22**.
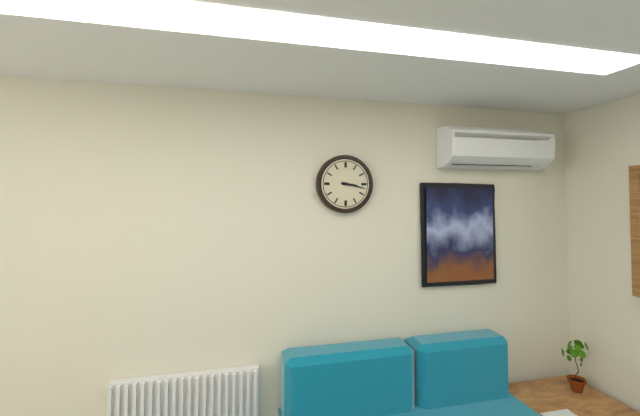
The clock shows **3:17**
